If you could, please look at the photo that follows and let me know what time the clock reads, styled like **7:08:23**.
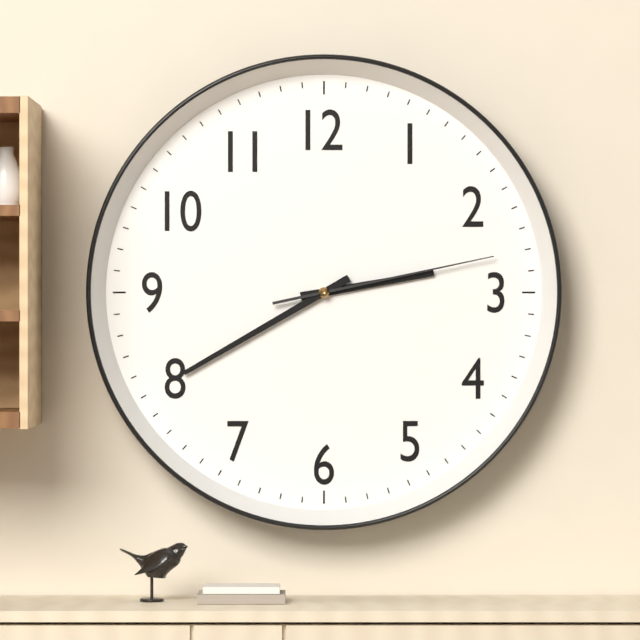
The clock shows **2:40:13**
